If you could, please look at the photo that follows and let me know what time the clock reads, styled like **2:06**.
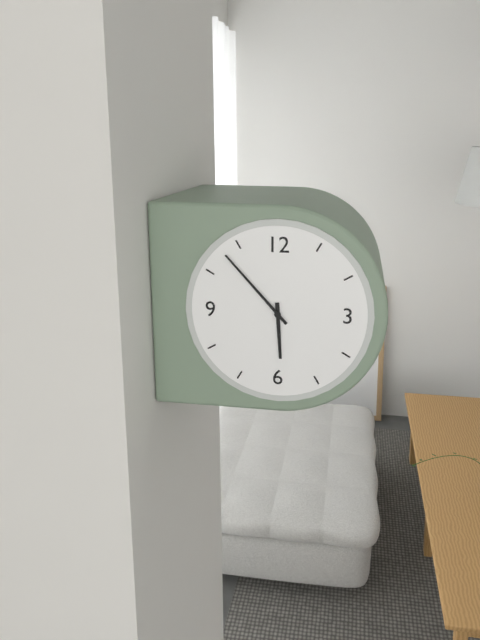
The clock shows **5:53**
